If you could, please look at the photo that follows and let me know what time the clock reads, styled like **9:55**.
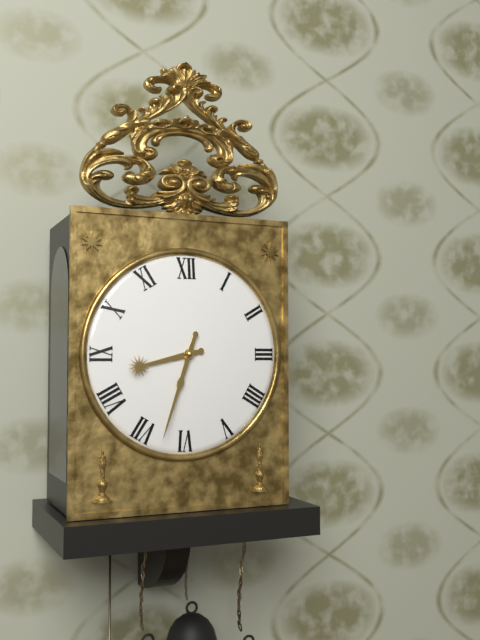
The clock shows **8:33**
